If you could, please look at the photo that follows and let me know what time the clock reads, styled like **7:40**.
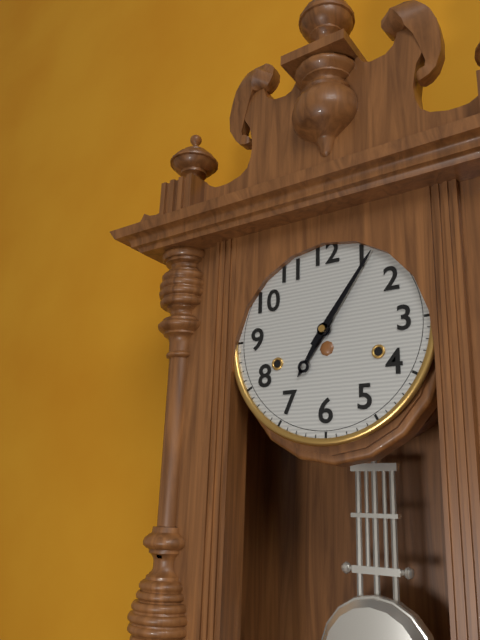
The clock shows **7:06**
